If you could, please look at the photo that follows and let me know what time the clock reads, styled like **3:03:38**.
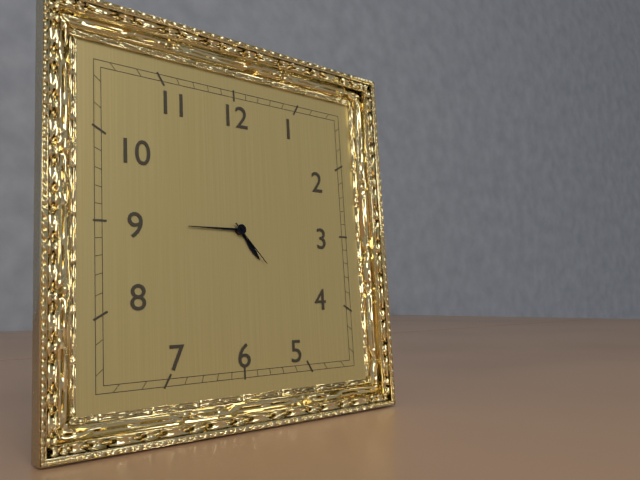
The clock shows **4:45:23**
